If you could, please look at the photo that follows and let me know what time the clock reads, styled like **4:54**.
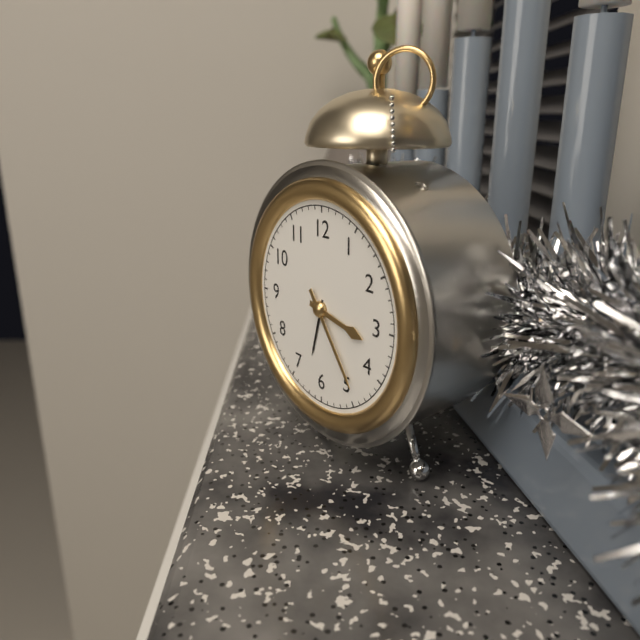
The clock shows **3:24**
